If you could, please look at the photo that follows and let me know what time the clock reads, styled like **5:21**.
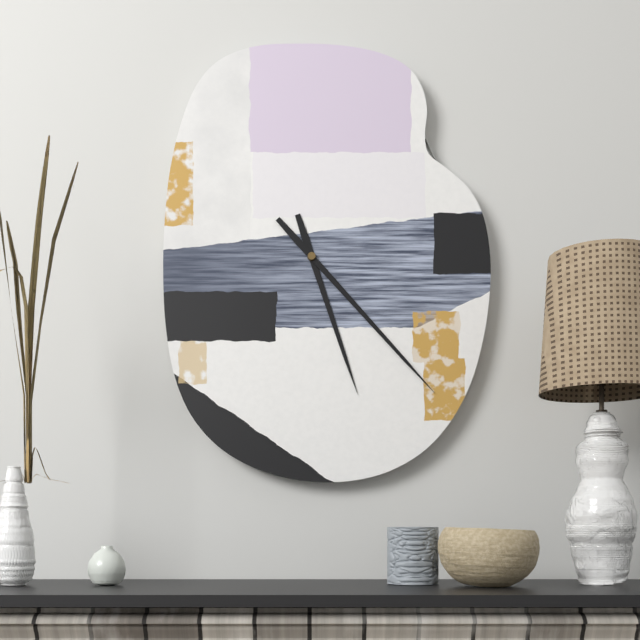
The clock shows **5:23**
